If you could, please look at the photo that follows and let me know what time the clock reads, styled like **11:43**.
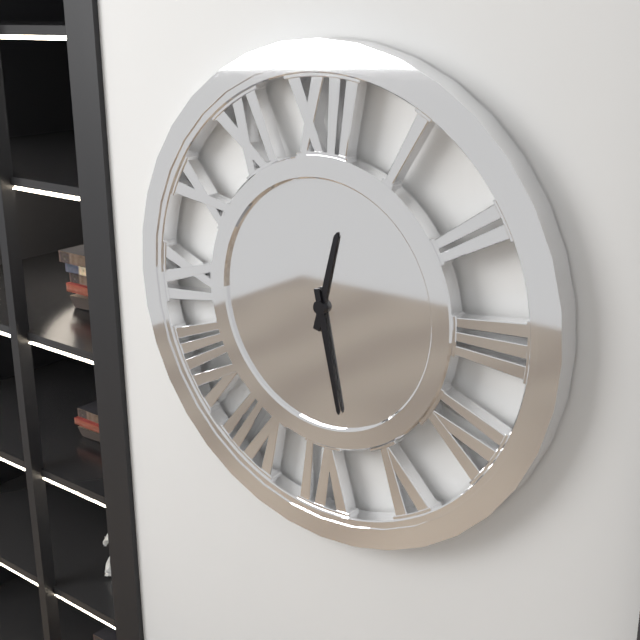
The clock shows **12:28**
